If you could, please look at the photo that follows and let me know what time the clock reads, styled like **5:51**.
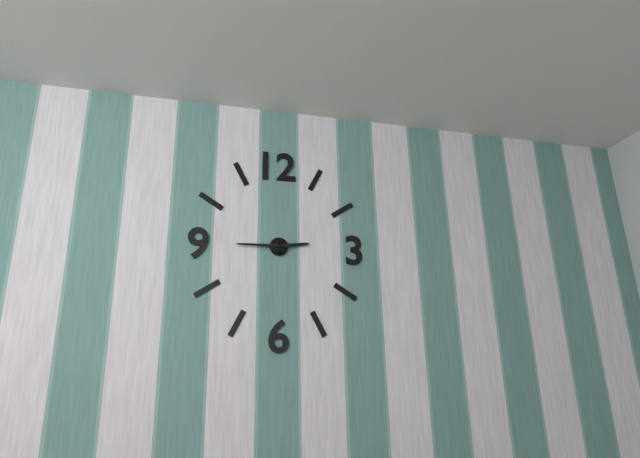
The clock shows **2:45**
